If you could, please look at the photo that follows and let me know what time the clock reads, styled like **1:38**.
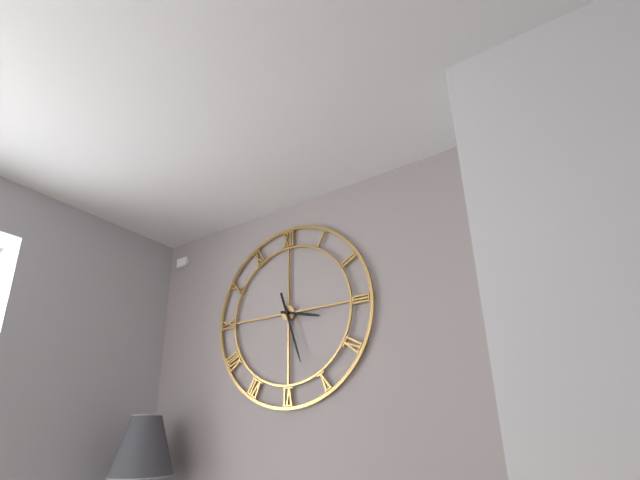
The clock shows **3:27**
